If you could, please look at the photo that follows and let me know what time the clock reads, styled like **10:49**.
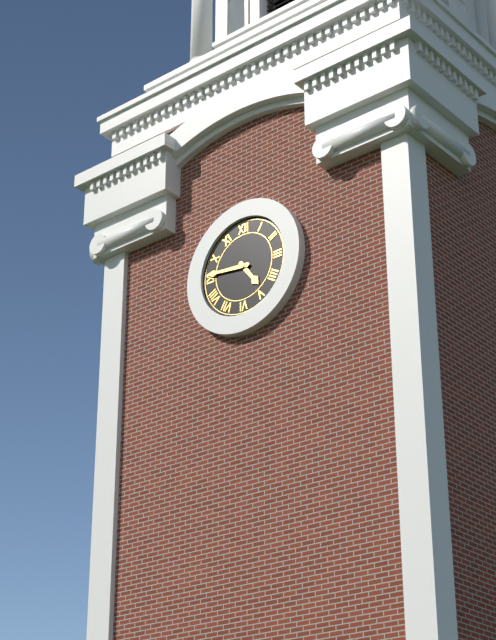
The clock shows **4:46**
